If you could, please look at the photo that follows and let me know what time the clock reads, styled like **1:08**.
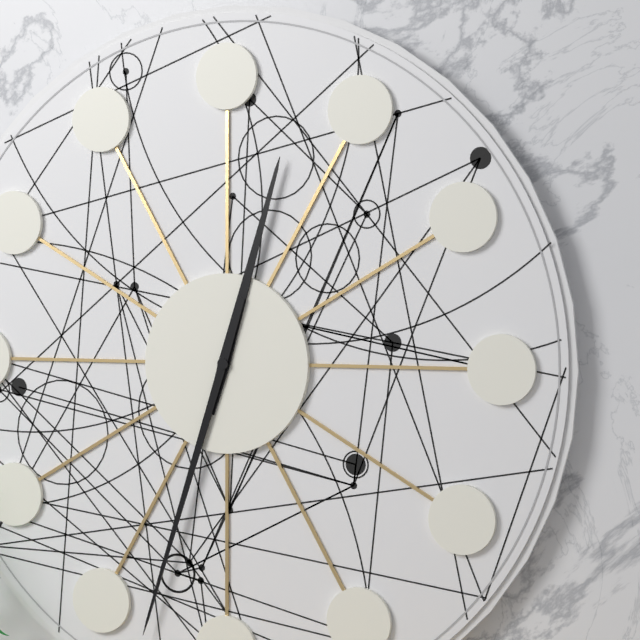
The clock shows **12:33**
